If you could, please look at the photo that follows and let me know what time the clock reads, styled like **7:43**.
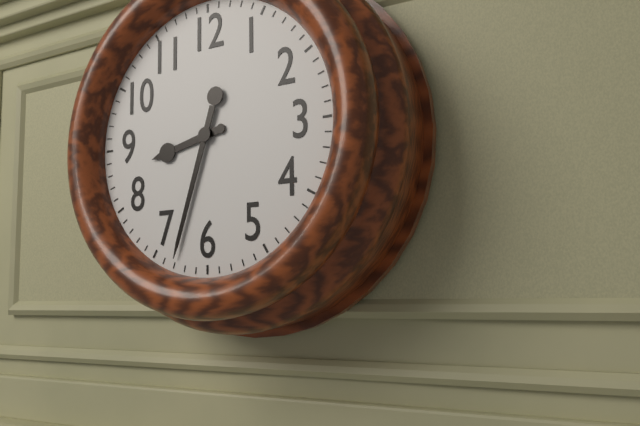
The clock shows **8:33**
